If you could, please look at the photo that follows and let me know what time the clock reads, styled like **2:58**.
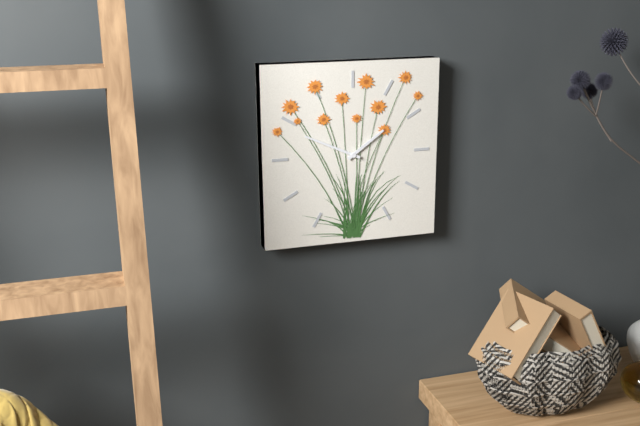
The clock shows **1:49**
